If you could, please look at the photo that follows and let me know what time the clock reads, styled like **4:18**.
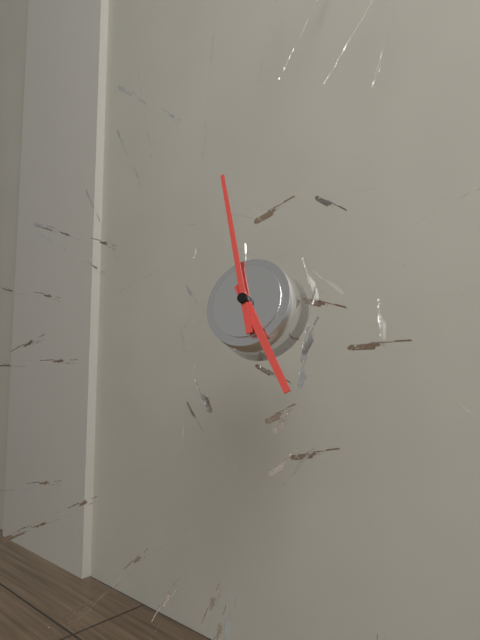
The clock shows **4:57**
